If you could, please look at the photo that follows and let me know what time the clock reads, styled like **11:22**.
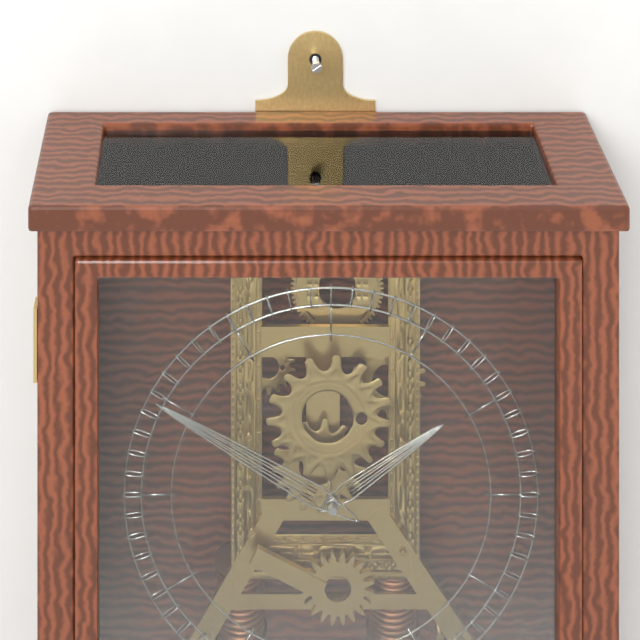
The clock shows **1:50**
